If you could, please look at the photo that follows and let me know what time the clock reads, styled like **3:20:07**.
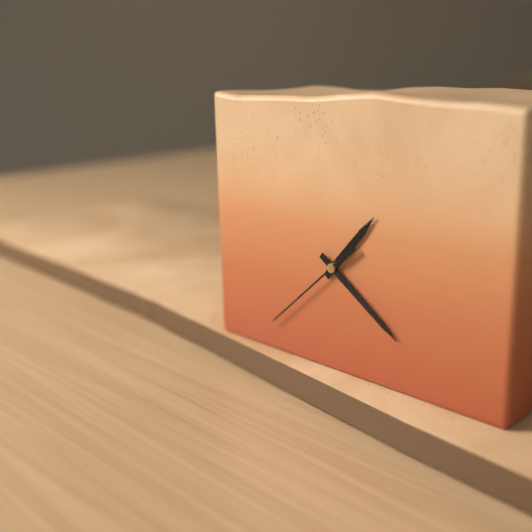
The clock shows **1:21:38**
